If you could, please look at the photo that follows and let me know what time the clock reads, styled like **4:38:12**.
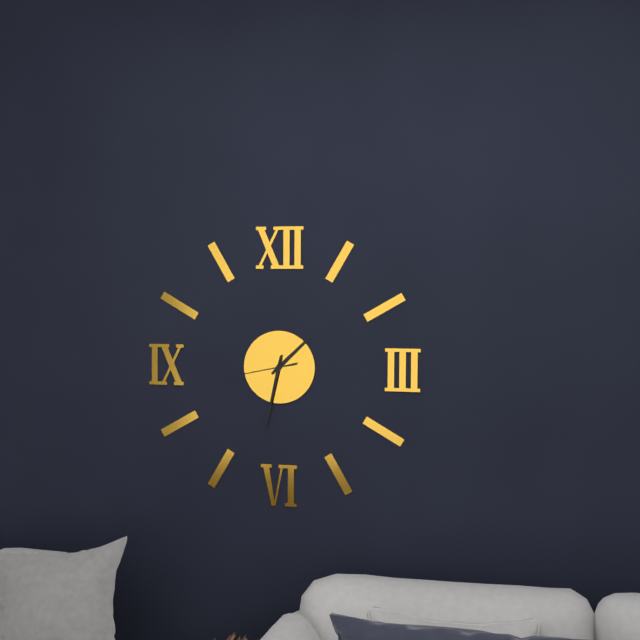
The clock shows **1:32:43**
